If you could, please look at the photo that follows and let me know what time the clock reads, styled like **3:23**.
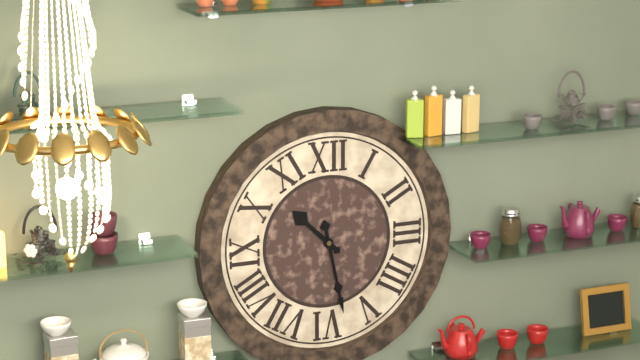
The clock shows **10:28**
